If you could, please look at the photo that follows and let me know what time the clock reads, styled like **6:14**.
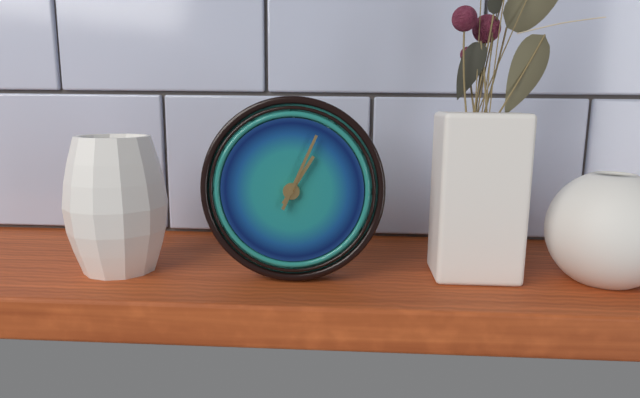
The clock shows **1:04**
